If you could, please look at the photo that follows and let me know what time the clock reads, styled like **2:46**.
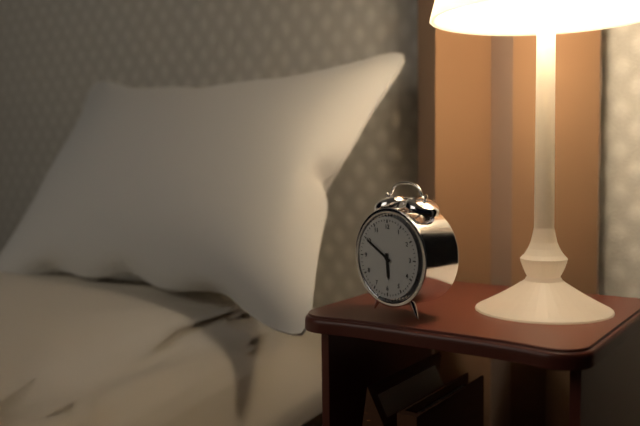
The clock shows **5:50**
